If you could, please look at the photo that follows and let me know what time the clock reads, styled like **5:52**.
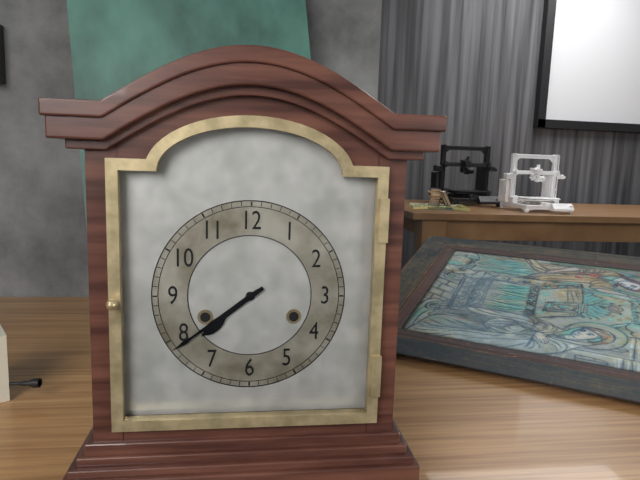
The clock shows **7:39**
